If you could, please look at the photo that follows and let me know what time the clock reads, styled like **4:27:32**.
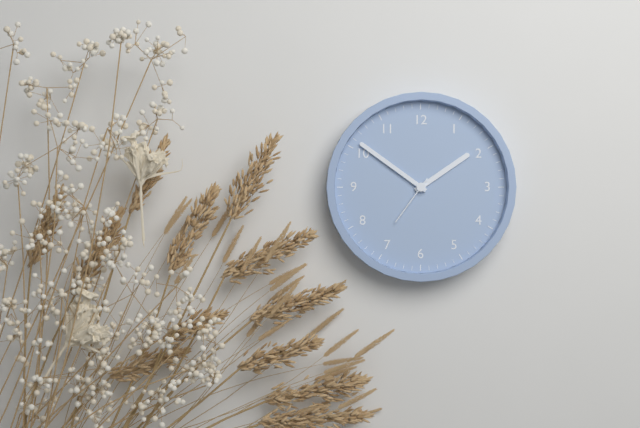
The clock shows **1:51:36**
